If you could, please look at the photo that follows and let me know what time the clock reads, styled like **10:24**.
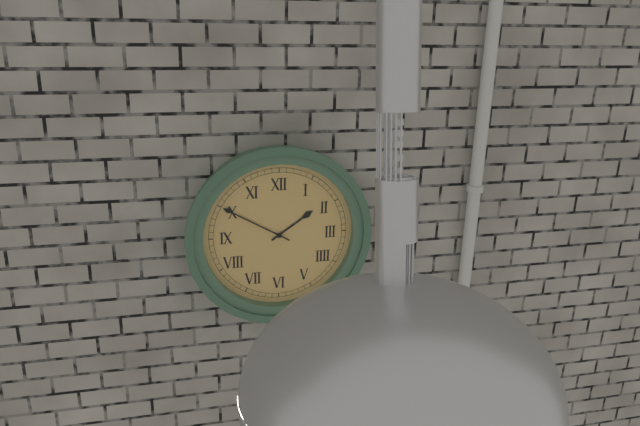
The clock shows **1:50**
